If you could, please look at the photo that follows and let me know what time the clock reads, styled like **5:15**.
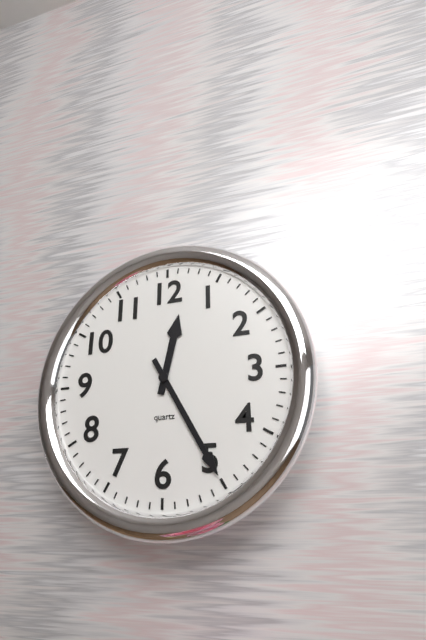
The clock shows **12:25**
